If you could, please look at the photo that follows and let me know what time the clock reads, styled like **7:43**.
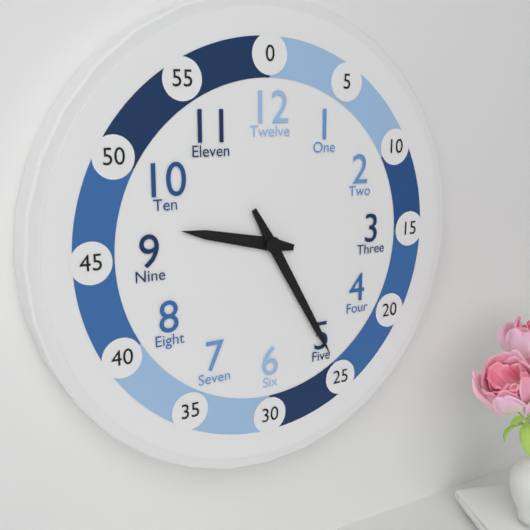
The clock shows **9:25**
